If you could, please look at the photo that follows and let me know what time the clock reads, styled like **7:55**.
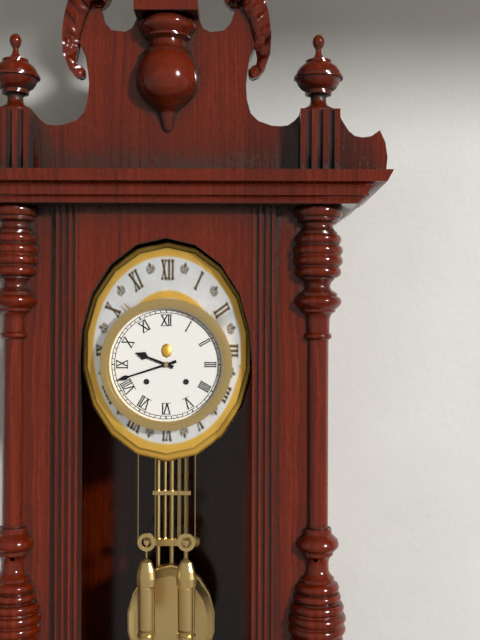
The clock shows **9:42**
